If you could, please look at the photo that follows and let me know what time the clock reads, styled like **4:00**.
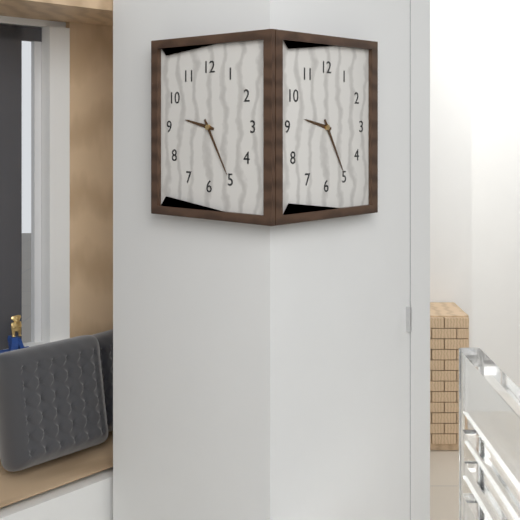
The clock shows **9:25**
